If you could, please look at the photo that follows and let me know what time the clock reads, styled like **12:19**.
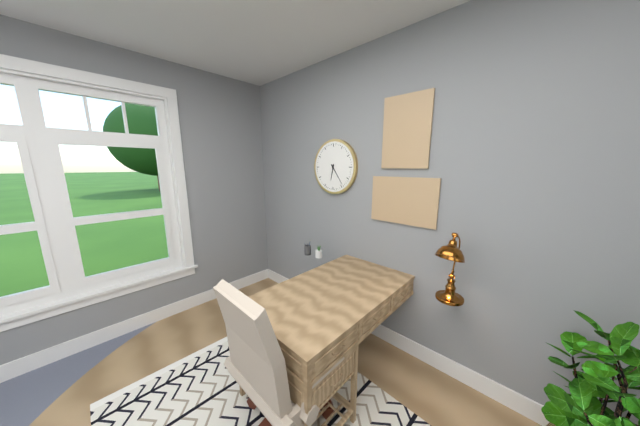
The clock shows **6:24**
